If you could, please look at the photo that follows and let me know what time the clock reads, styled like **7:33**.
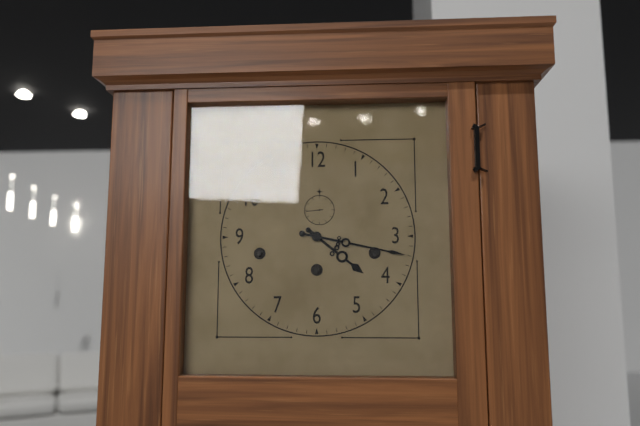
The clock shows **4:17**
